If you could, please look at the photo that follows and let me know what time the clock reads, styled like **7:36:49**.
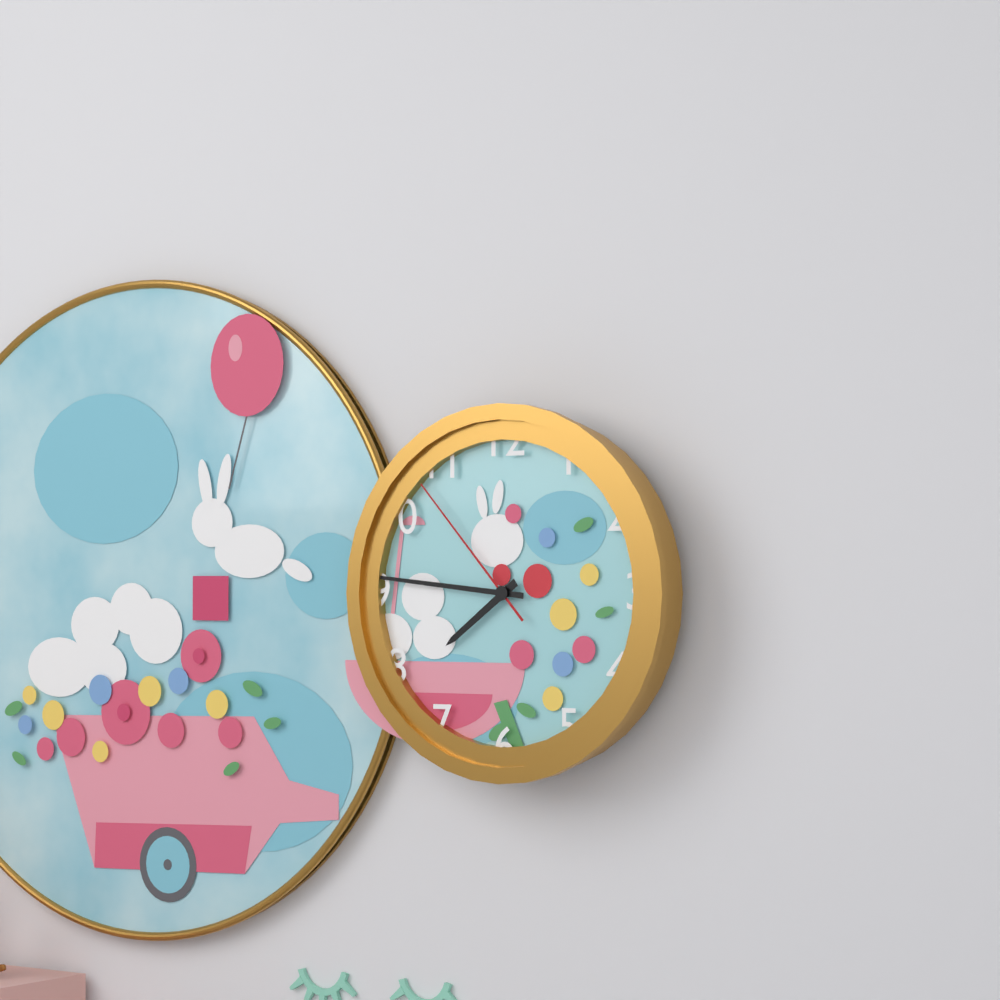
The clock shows **7:46:53**
